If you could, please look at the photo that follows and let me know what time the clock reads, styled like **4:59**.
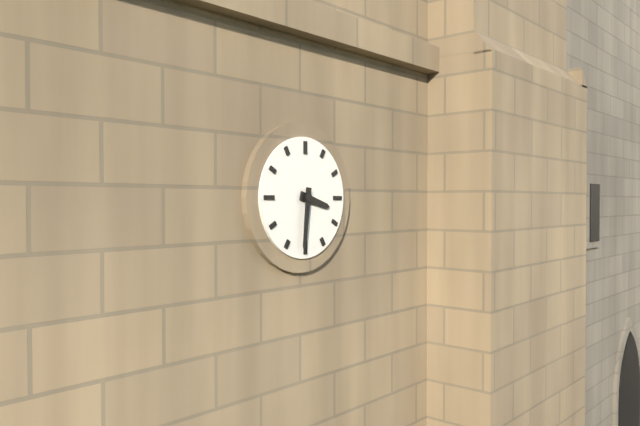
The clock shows **3:31**
